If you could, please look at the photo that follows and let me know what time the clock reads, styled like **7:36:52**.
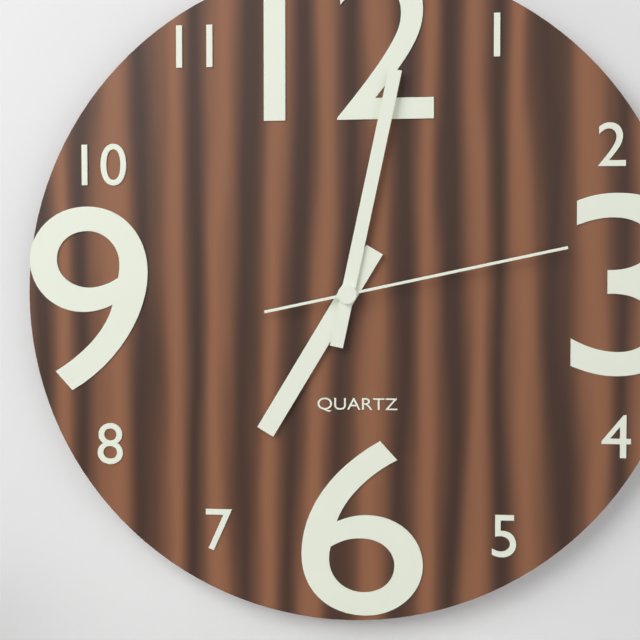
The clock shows **7:02:13**
